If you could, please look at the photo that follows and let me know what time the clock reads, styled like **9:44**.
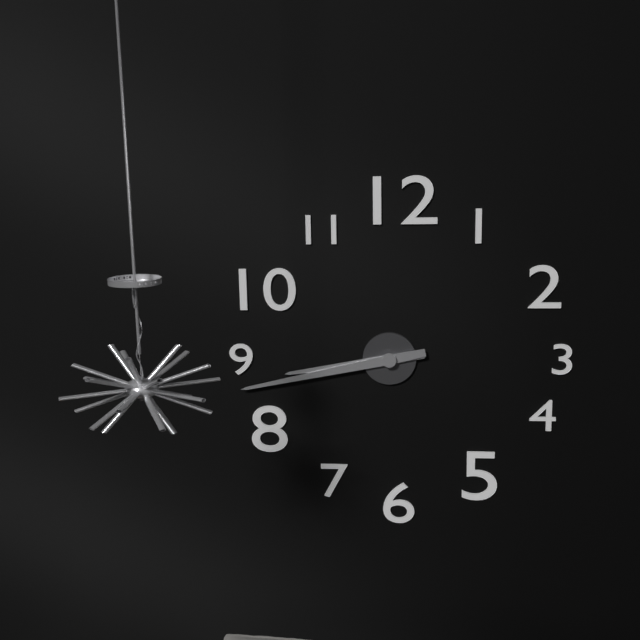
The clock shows **8:43**
